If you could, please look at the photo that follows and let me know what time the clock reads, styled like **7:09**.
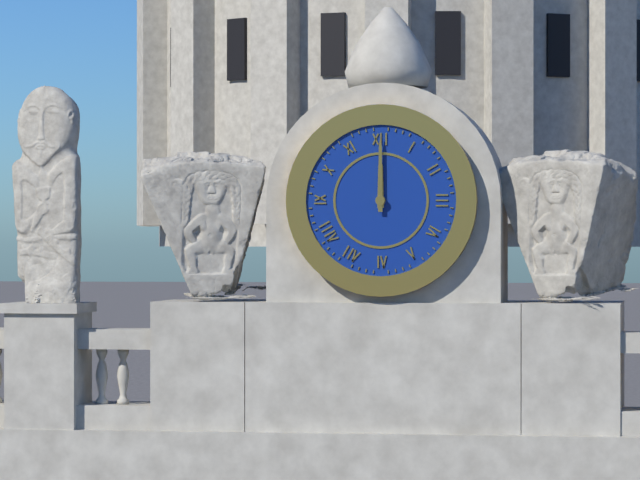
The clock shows **12:00**
